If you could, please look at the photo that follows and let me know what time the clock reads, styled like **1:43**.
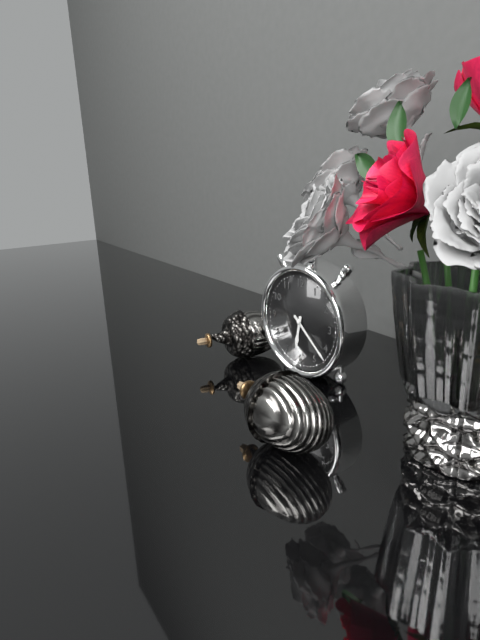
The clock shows **6:22**
